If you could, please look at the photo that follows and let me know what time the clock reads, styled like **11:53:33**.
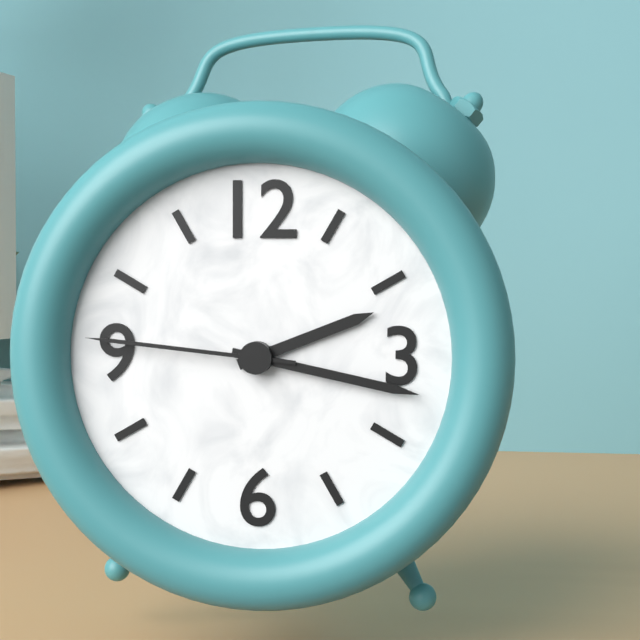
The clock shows **2:17:46**
